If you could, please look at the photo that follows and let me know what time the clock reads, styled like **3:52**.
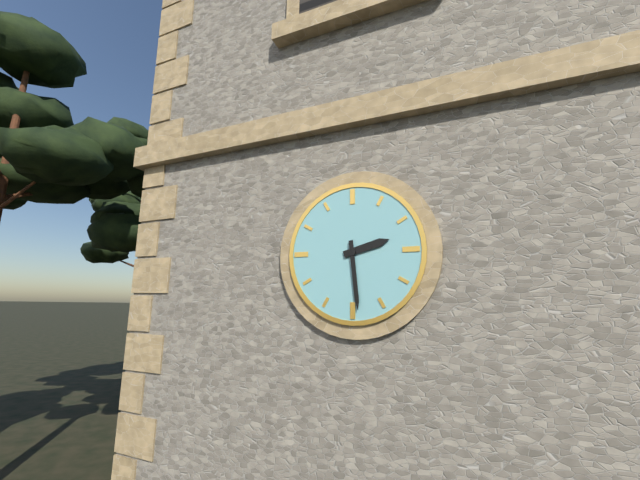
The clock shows **2:29**
